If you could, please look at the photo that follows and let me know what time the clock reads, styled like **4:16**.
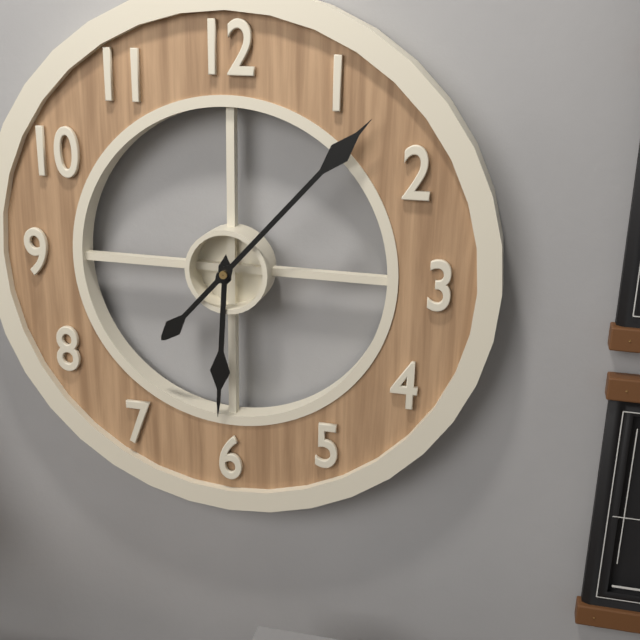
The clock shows **6:07**
